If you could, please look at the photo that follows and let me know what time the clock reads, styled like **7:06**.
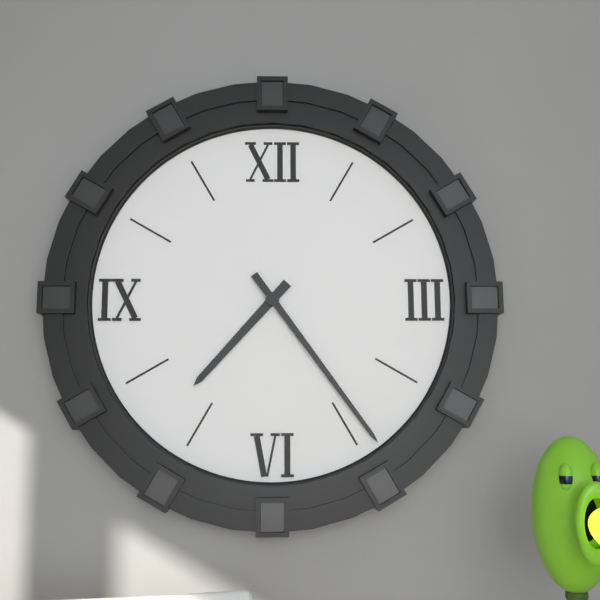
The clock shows **7:24**
